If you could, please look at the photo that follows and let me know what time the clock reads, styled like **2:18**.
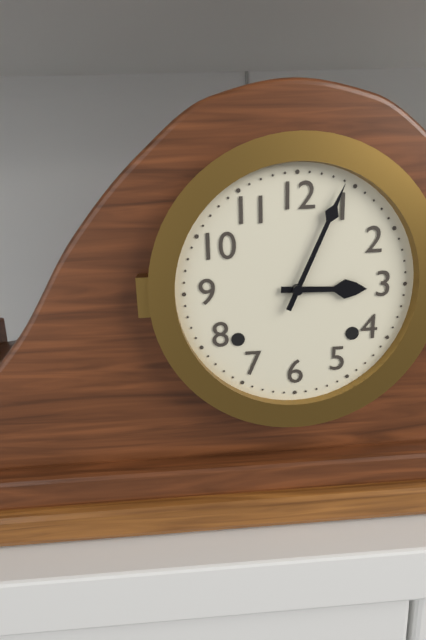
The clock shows **3:04**
